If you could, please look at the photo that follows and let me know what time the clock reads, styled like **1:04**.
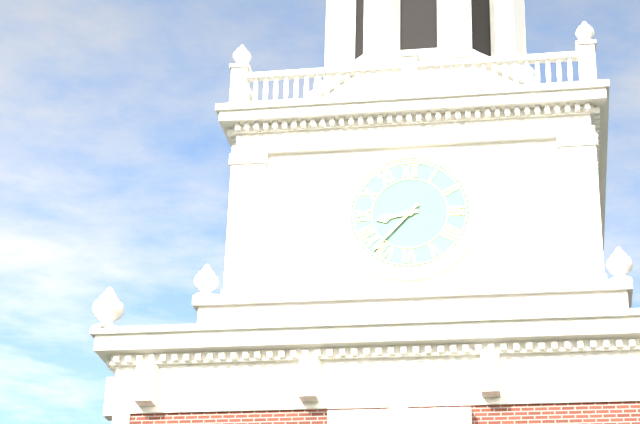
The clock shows **8:37**
